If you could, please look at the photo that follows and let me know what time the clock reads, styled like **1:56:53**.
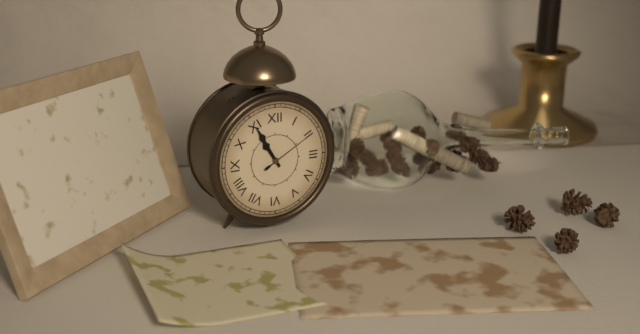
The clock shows **10:55:10**
